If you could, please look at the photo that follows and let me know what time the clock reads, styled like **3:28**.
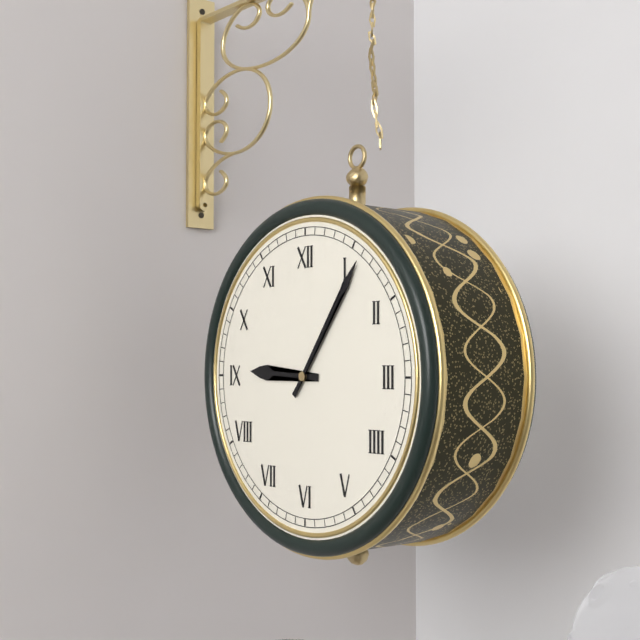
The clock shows **9:06**
